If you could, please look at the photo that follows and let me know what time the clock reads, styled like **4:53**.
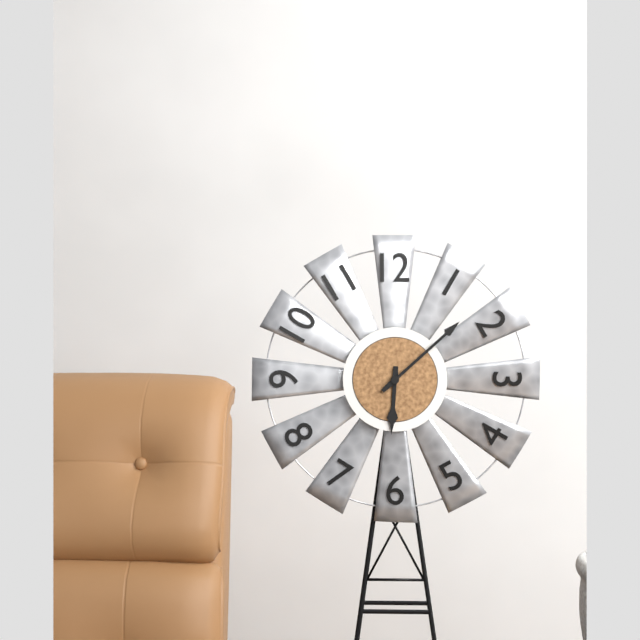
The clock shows **6:08**
